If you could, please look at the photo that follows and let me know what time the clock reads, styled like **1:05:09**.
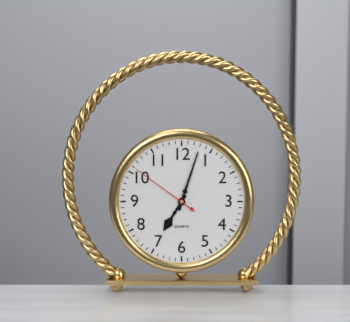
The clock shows **7:03:51**
